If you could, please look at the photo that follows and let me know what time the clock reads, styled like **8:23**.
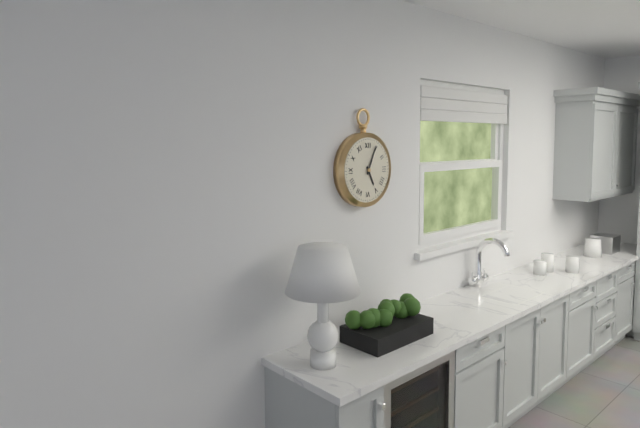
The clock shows **5:04**
